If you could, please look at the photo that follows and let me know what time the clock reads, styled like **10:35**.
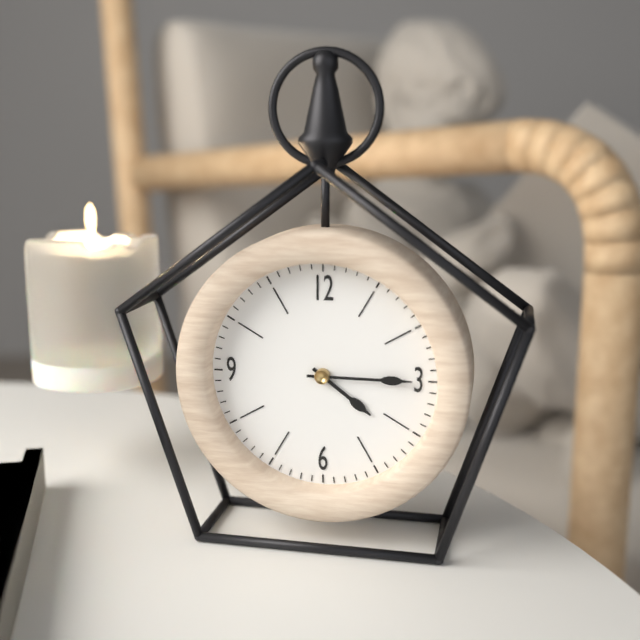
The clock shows **4:15**
